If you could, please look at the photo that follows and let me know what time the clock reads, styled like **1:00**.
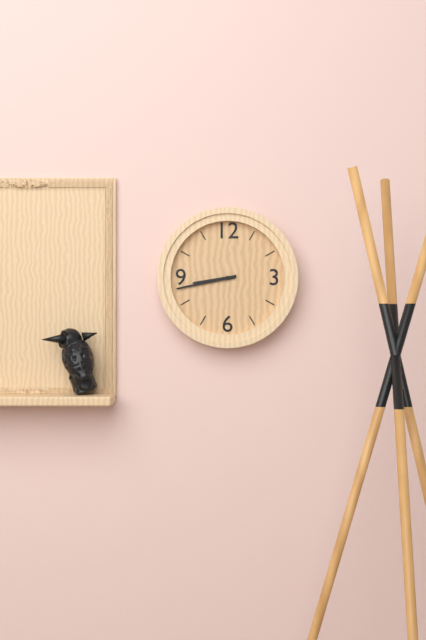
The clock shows **8:43**
